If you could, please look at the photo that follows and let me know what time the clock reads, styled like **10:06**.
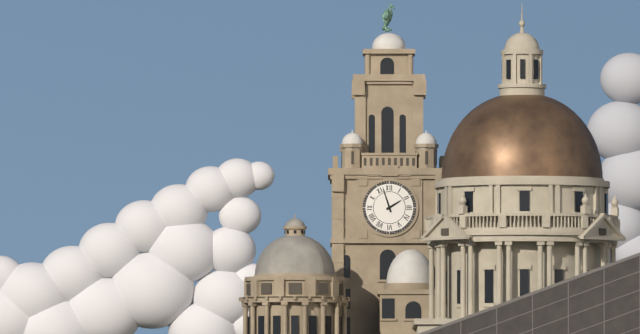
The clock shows **1:57**
